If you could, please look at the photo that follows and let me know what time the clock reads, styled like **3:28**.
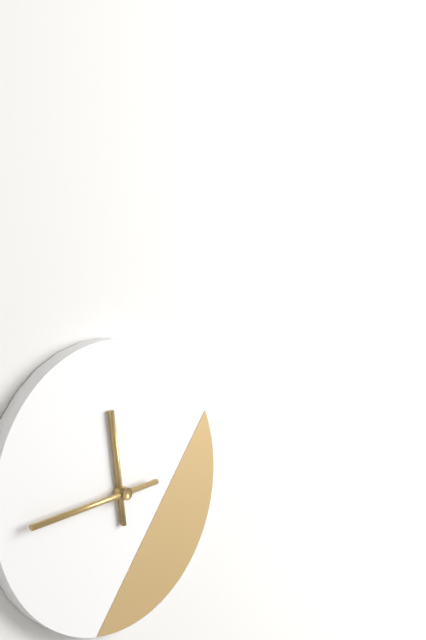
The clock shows **11:44**
